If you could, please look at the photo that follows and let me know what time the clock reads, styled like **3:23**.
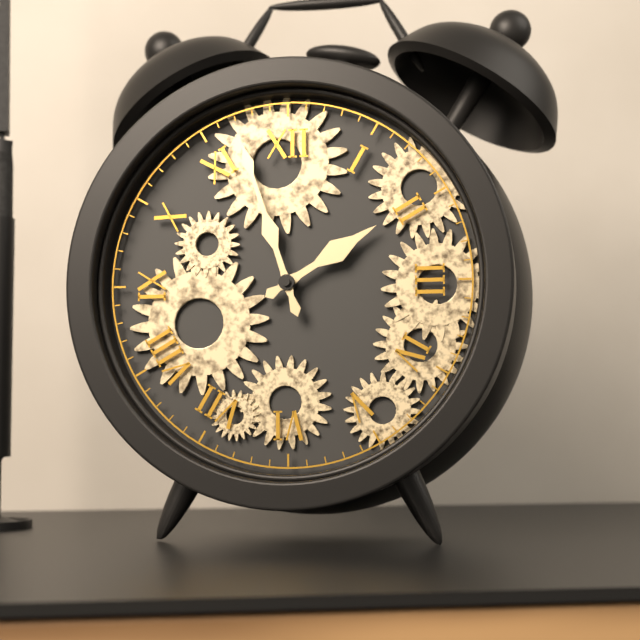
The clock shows **1:57**
